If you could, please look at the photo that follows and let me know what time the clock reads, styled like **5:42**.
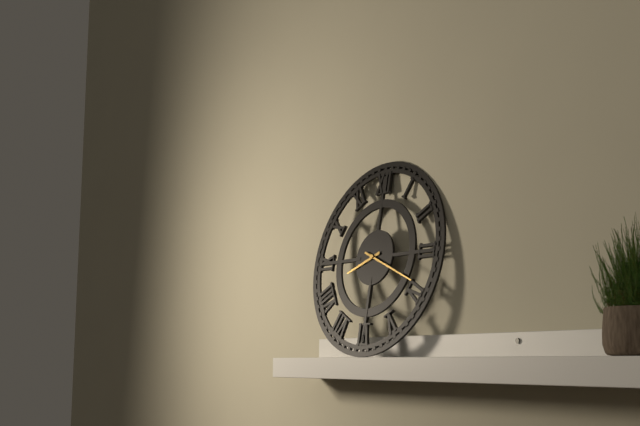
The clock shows **8:19**
